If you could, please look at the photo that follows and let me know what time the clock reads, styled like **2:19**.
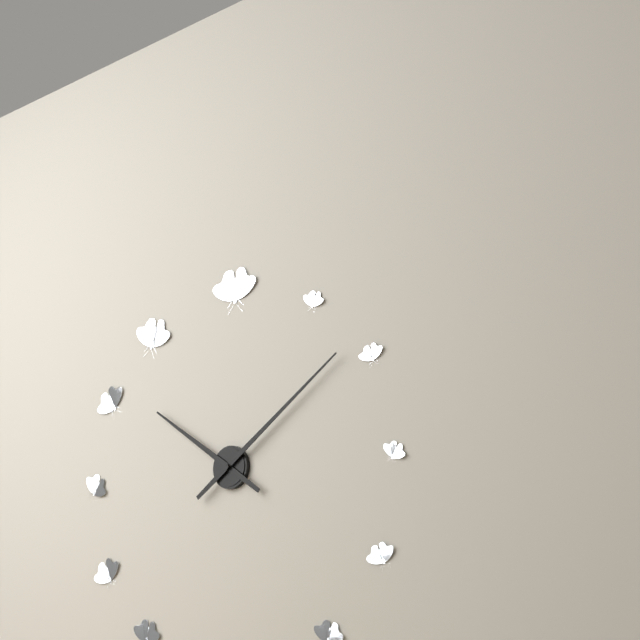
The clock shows **10:09**
